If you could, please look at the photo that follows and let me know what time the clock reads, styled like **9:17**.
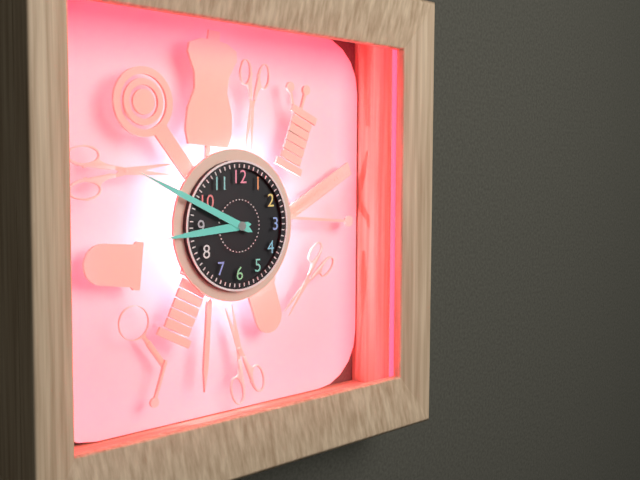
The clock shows **8:49**
